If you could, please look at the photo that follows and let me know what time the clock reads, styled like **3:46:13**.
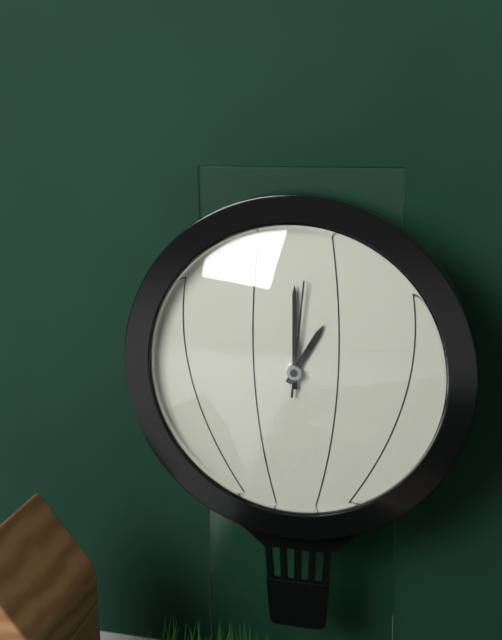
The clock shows **1:00:01**
